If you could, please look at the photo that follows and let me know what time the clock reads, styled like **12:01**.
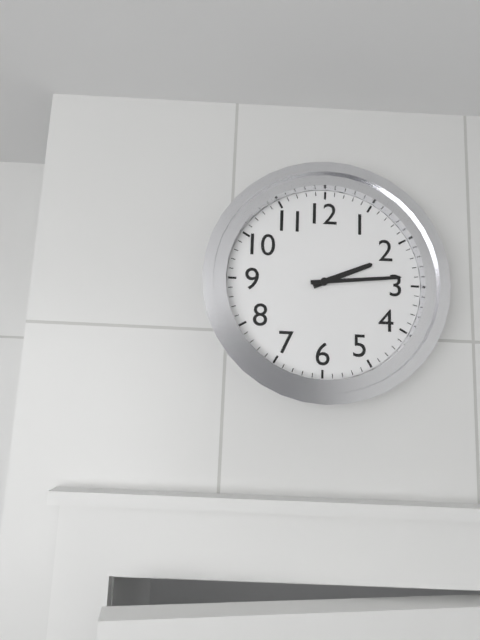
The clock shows **2:14**
